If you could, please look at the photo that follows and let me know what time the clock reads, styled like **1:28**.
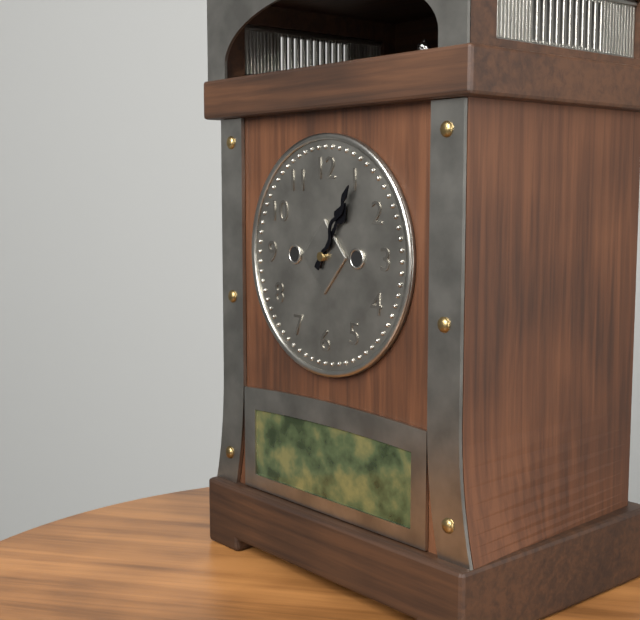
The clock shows **1:05**
